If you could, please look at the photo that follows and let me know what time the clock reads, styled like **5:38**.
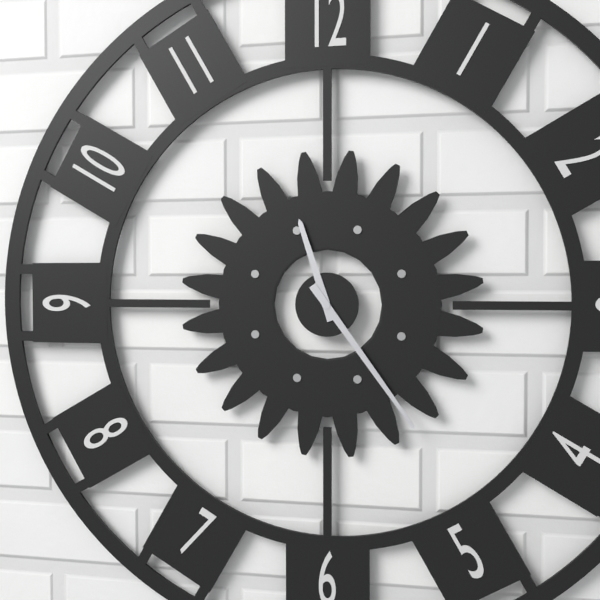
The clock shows **11:24**
